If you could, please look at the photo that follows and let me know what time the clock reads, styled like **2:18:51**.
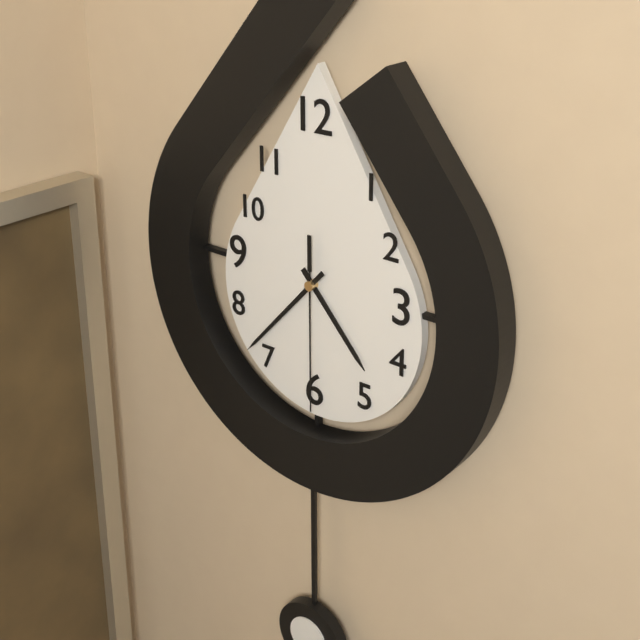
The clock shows **4:37:30**
